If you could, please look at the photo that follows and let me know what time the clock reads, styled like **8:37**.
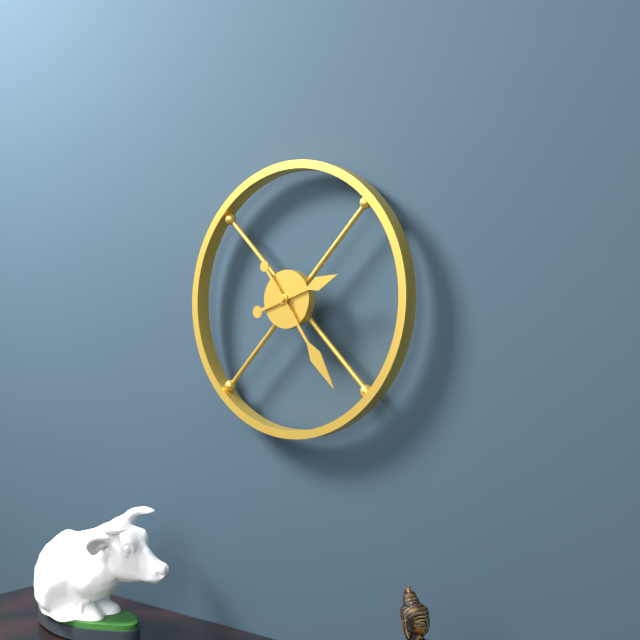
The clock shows **2:24**
